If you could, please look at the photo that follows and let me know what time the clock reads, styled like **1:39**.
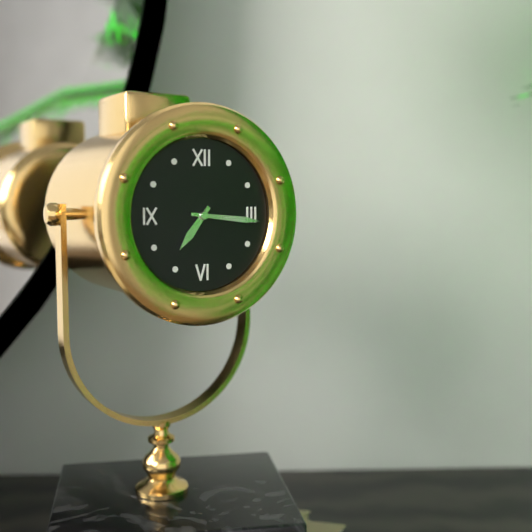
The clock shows **7:16**
